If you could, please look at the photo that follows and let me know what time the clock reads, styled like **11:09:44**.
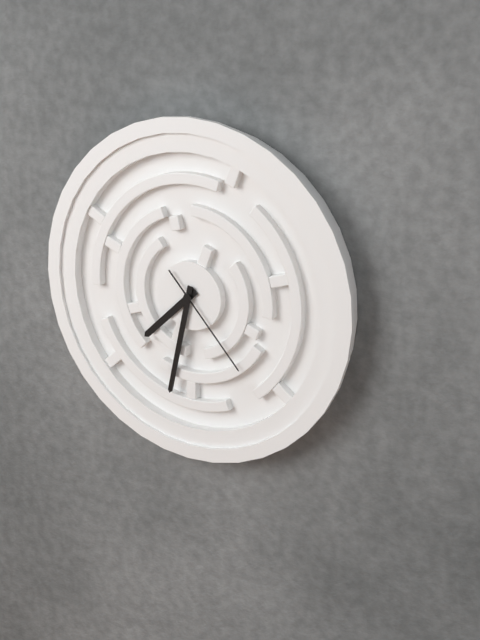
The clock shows **7:32:23**
